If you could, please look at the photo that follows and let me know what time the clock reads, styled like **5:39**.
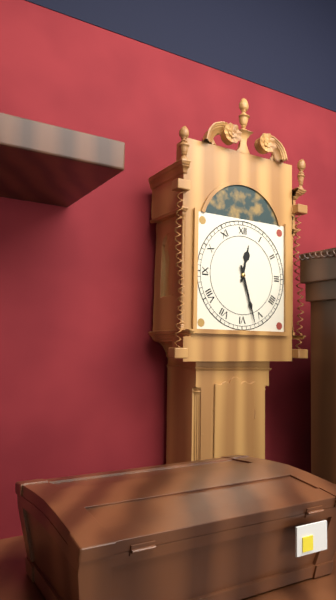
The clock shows **12:27**
